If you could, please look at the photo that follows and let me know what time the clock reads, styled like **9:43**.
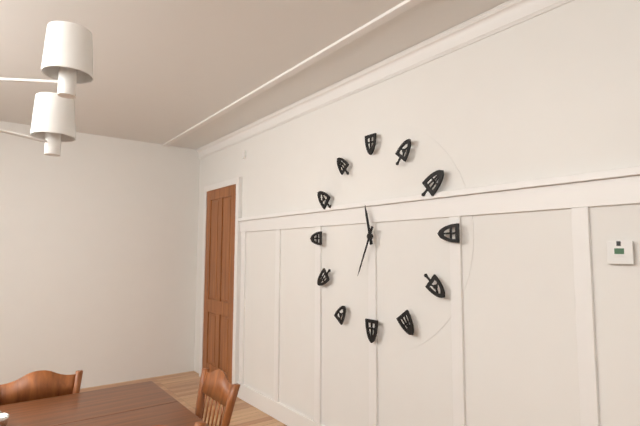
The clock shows **11:34**
